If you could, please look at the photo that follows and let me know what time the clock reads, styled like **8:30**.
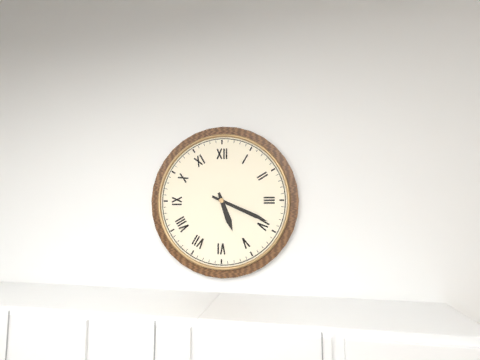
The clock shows **5:19**
